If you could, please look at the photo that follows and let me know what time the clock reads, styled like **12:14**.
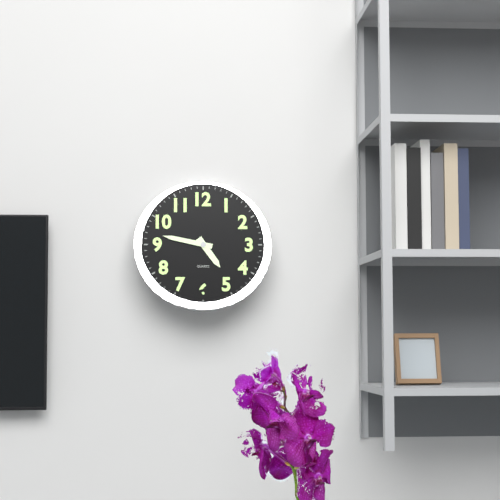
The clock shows **4:47**
